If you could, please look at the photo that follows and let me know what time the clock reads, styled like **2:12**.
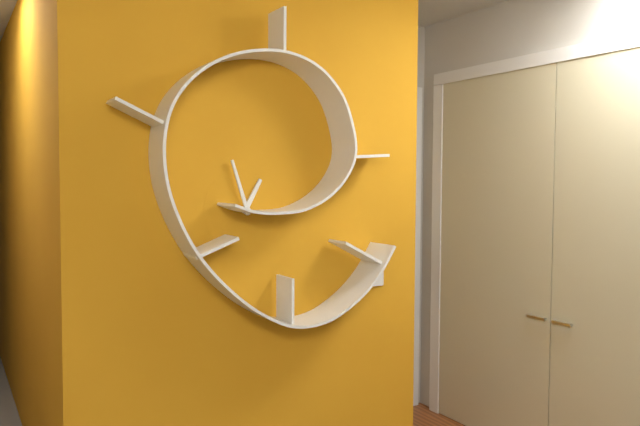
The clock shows **12:57**
